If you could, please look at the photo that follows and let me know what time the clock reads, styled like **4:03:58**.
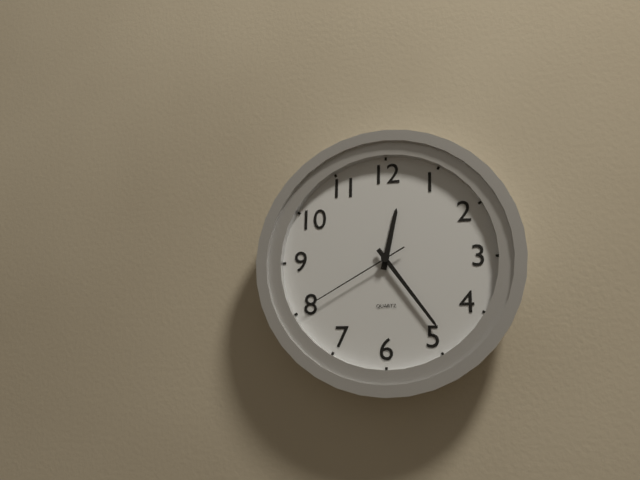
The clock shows **12:24:40**
